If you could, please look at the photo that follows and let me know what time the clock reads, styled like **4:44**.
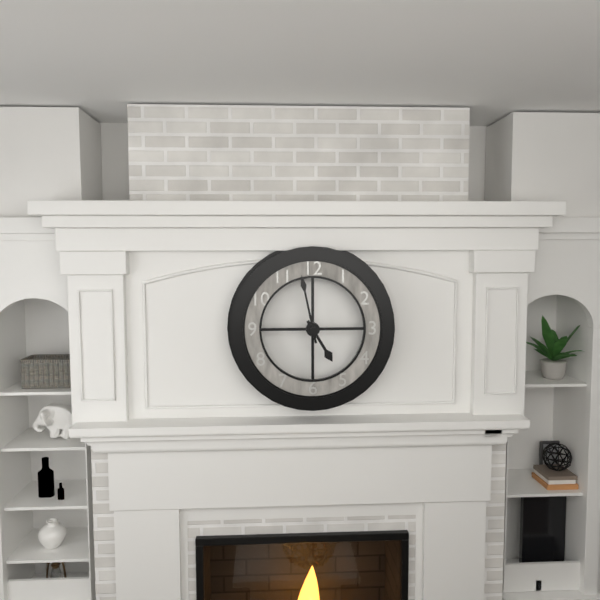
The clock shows **4:58**
